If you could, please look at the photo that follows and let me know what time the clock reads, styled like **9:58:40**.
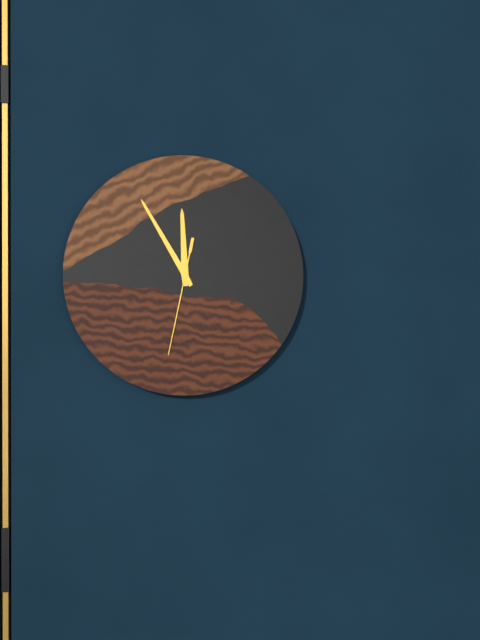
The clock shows **11:55:32**
